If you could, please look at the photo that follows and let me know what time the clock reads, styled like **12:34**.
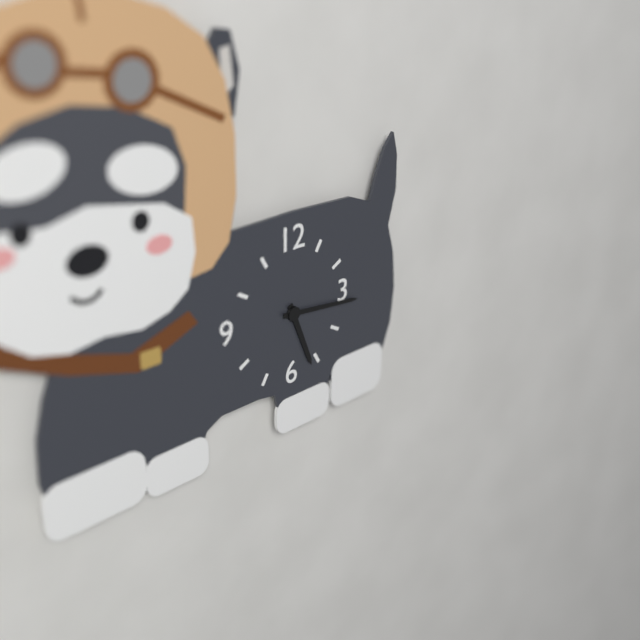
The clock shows **5:16**
